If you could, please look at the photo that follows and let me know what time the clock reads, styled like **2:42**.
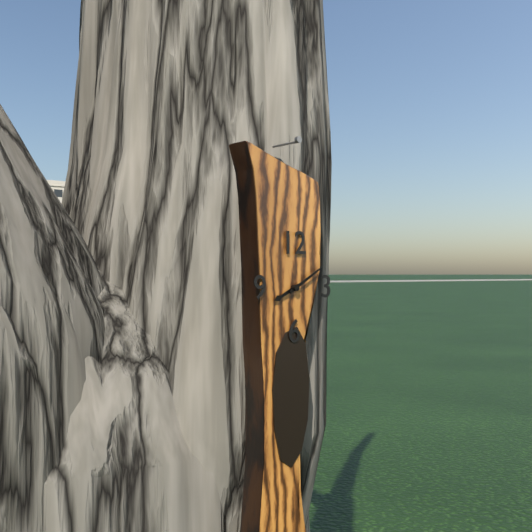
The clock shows **8:10**
